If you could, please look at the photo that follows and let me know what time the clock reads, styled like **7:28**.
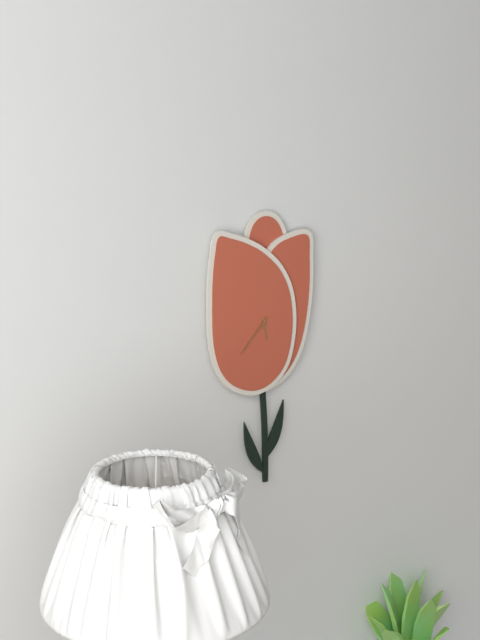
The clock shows **5:37**
